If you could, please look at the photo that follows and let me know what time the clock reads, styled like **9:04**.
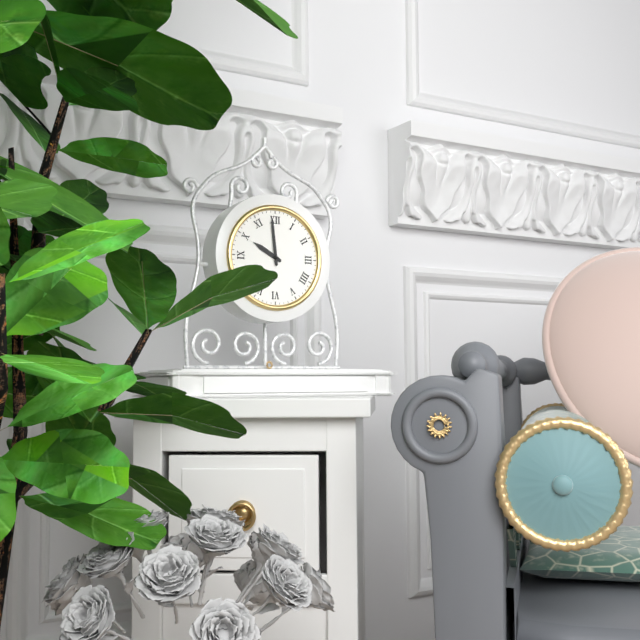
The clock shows **9:59**
